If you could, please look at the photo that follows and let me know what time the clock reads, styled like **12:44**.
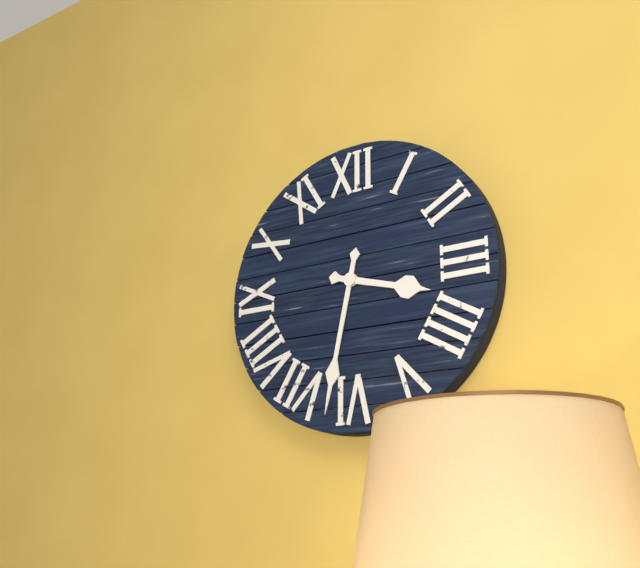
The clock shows **3:32**
